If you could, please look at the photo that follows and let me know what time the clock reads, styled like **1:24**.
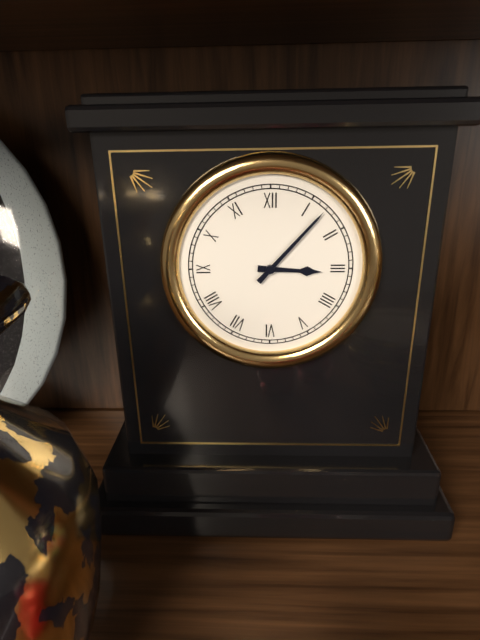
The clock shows **3:07**
